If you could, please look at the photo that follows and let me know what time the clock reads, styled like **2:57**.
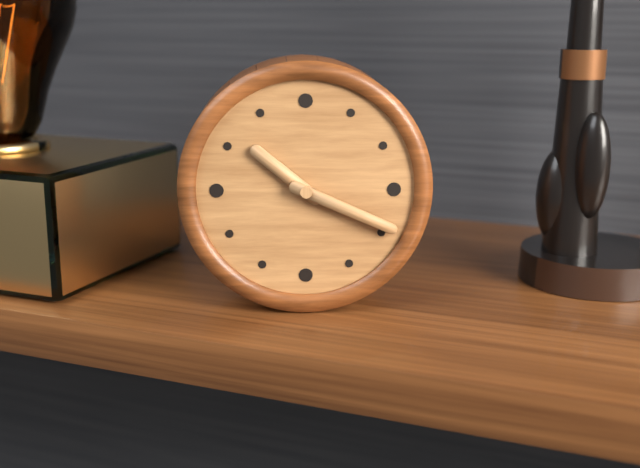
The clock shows **10:19**
